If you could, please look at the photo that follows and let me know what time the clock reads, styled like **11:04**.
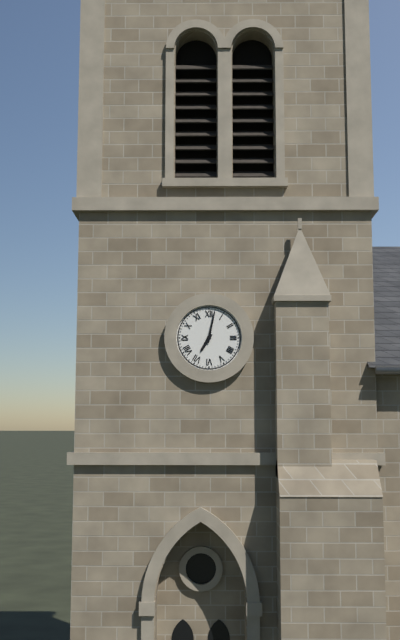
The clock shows **7:02**
